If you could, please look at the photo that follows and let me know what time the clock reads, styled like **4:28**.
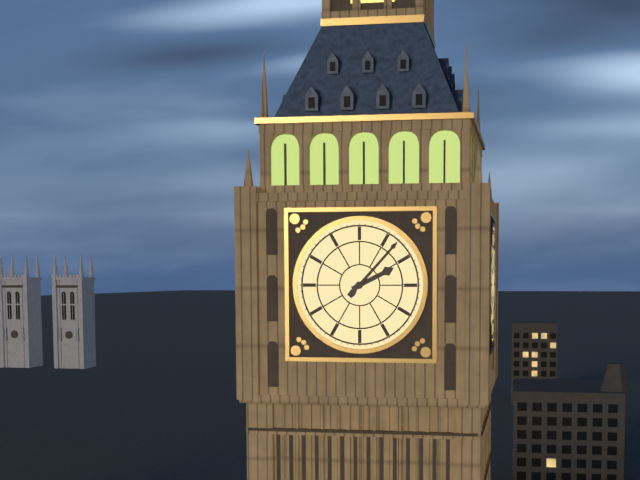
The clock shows **2:07**
